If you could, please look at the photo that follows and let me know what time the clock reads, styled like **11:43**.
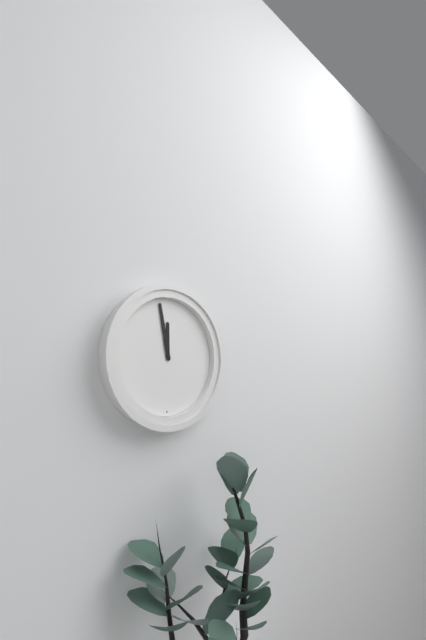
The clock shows **11:58**
